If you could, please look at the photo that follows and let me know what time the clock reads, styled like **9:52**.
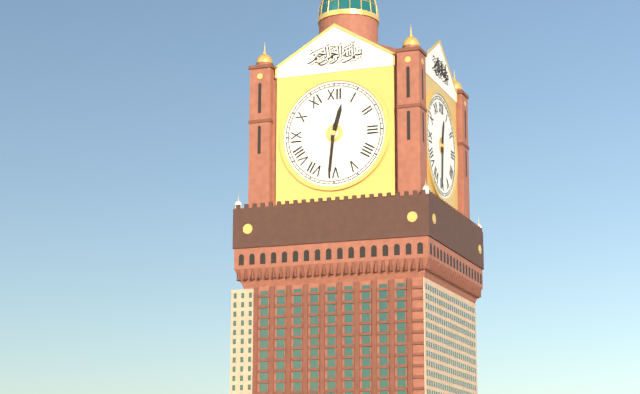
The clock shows **12:31**
